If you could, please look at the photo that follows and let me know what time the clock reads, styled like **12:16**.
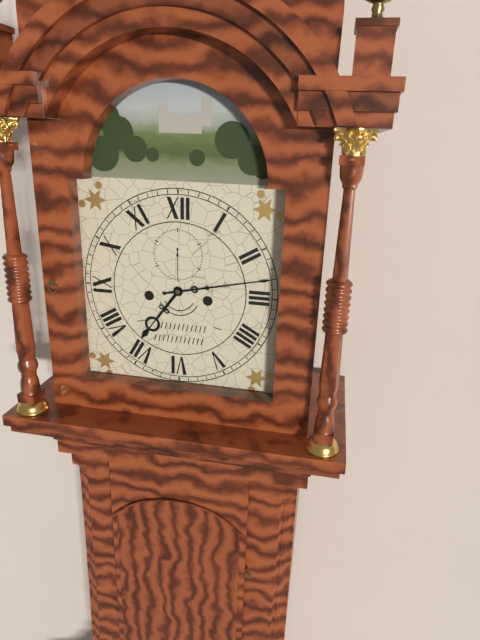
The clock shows **7:13**
